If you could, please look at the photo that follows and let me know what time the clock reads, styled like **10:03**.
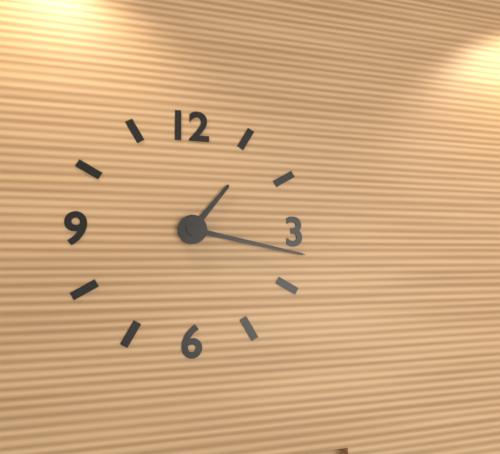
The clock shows **1:17**
